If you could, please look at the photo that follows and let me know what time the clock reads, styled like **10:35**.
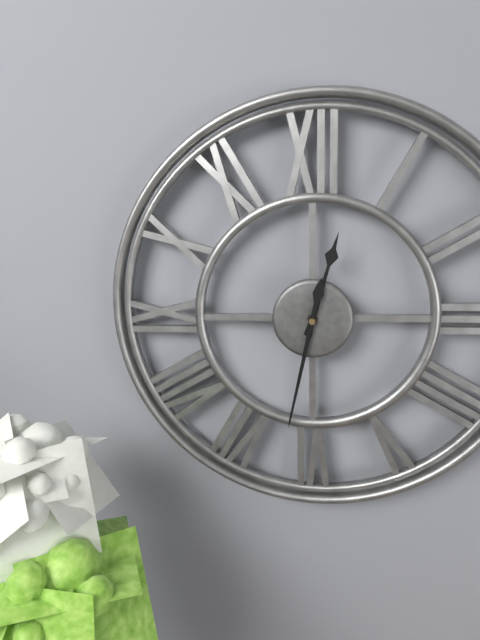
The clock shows **12:32**
